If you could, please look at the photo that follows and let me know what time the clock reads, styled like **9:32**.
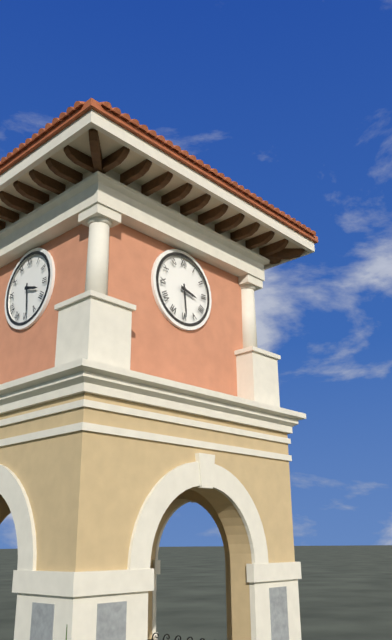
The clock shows **3:29**
